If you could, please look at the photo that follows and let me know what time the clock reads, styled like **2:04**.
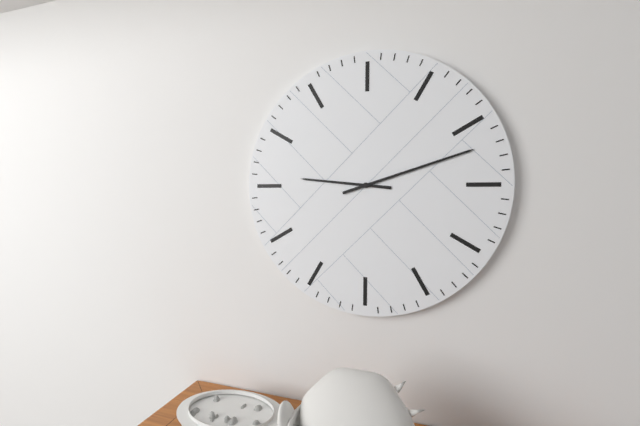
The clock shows **9:12**
